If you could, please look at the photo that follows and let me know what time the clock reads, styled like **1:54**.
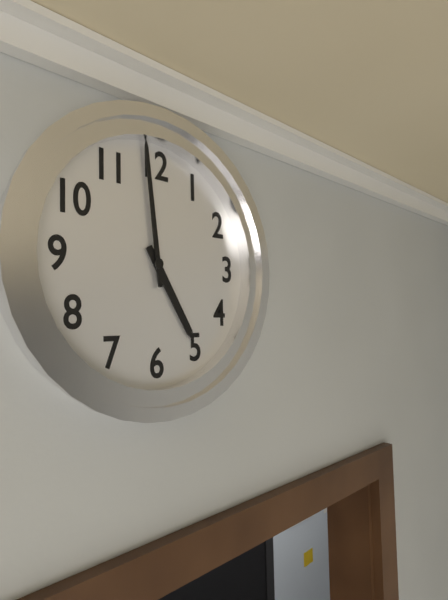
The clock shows **4:59**
